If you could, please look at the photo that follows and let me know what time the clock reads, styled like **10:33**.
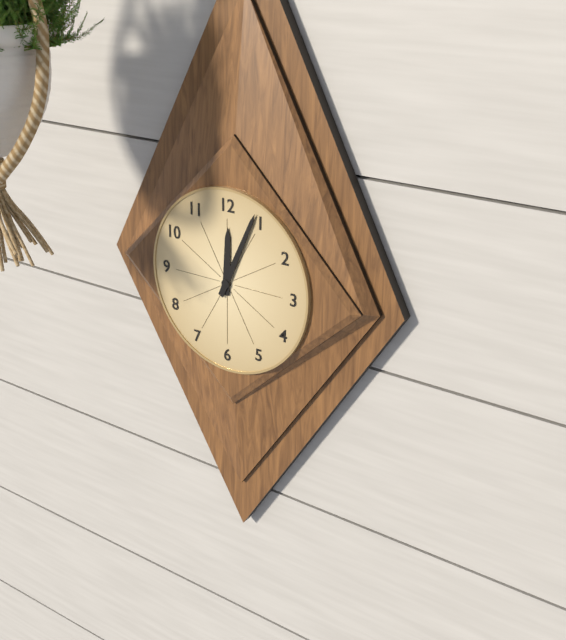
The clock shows **12:04**
